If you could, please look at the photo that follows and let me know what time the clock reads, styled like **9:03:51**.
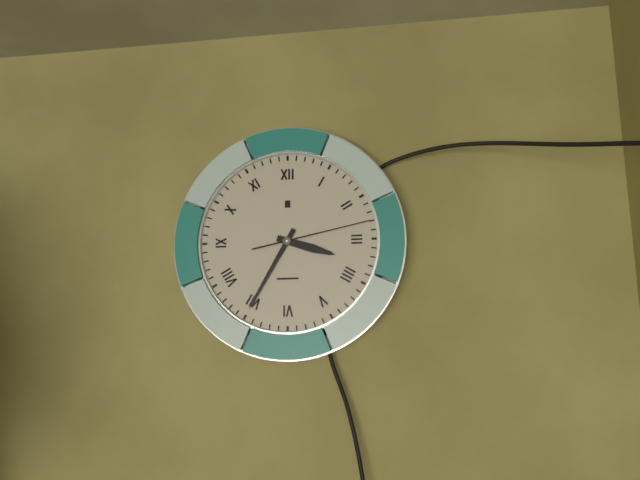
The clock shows **3:35:13**
